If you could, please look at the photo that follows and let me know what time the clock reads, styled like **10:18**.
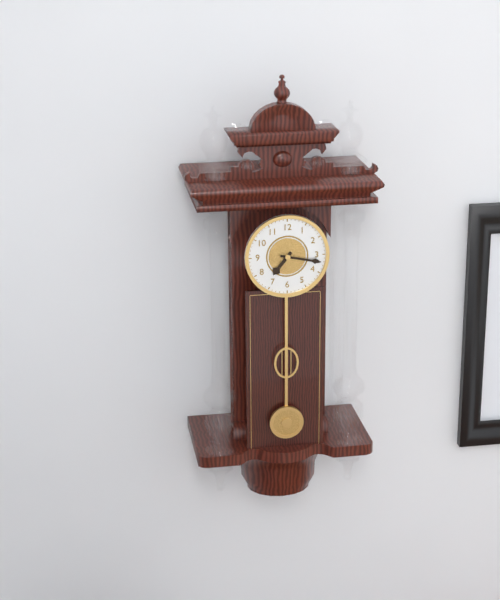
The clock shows **7:17**
